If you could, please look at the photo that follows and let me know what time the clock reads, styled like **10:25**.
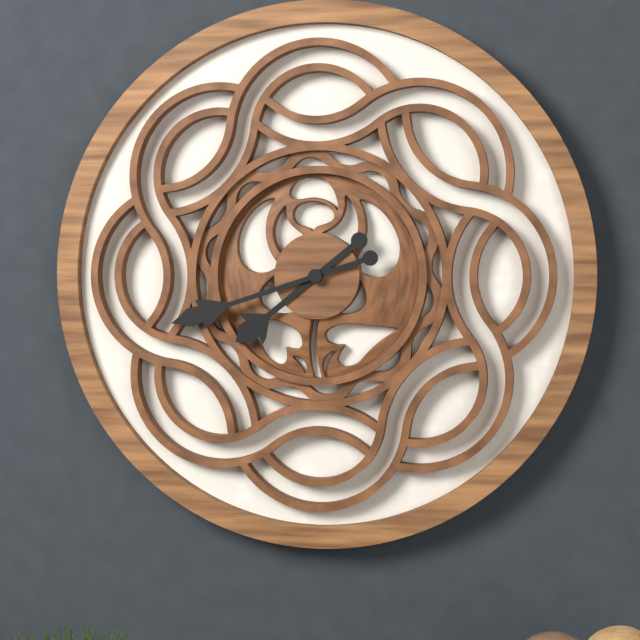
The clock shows **7:42**
